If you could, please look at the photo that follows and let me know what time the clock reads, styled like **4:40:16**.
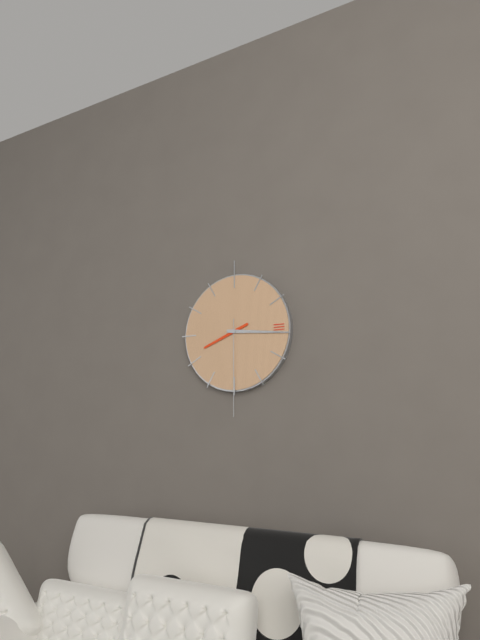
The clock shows **8:16:30**
